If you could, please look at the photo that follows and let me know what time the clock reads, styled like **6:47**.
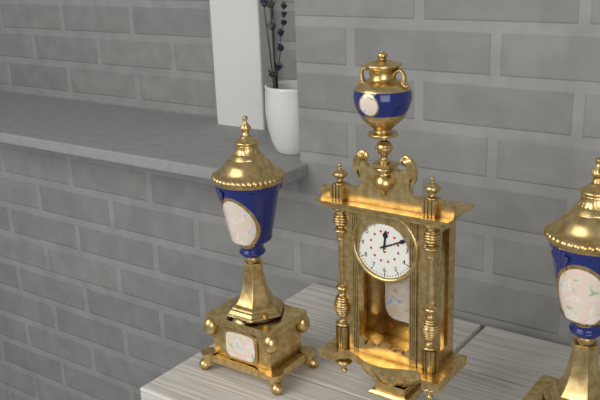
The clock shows **12:11**
